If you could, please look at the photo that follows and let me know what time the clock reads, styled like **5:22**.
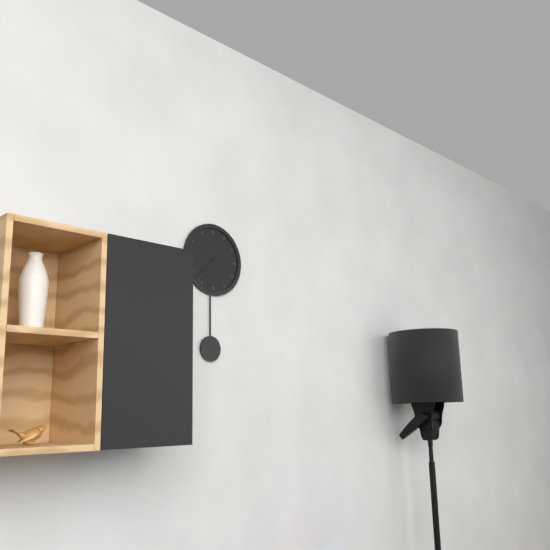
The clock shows **7:37**
